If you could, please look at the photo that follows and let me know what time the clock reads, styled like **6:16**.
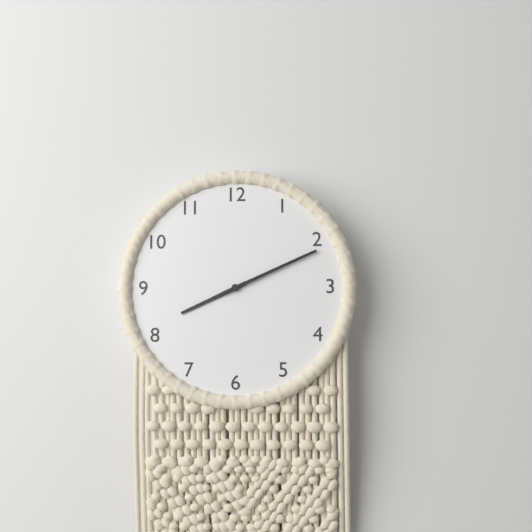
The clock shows **8:11**
